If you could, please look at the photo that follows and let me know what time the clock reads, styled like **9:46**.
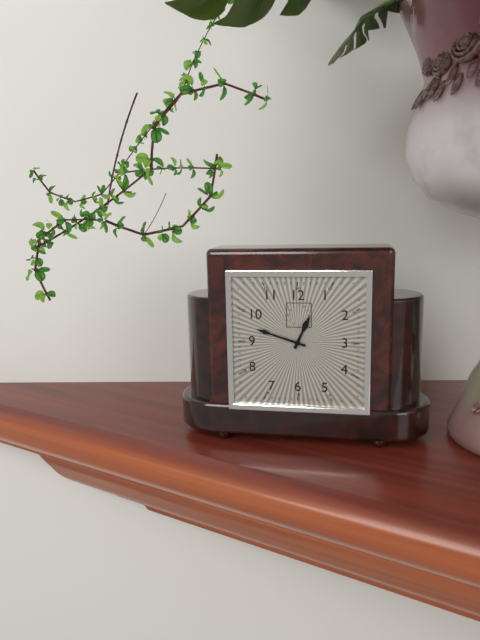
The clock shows **12:48**
